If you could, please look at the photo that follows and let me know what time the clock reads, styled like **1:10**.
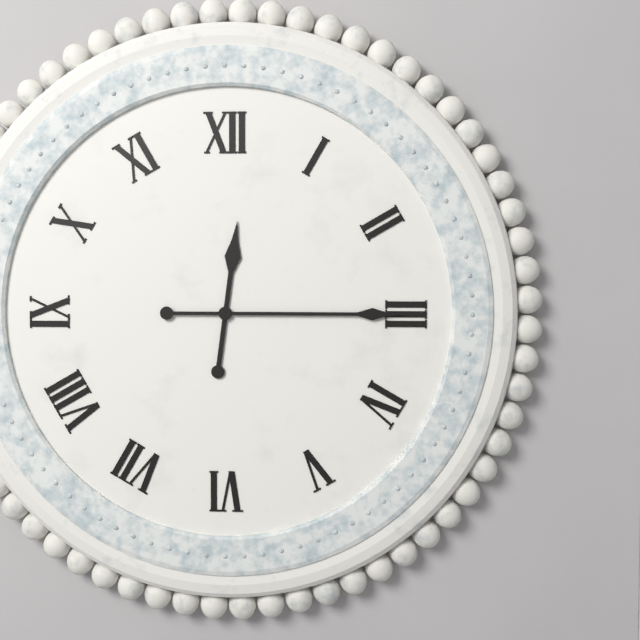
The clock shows **12:15**
